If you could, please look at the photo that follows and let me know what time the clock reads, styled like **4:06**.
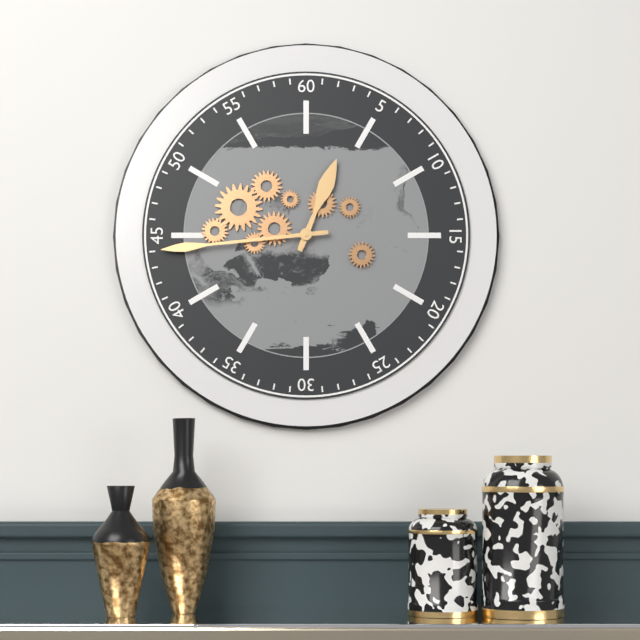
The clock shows **12:44**
